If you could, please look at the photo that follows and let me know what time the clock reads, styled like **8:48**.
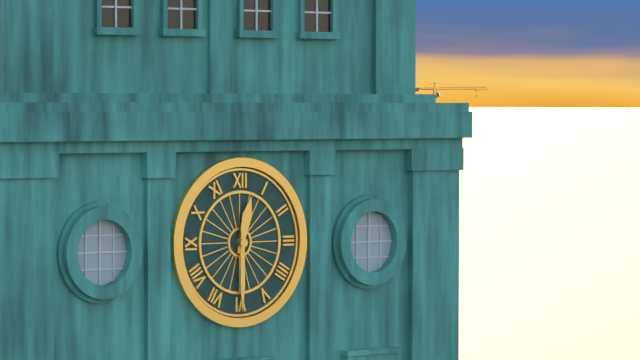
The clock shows **12:30**
